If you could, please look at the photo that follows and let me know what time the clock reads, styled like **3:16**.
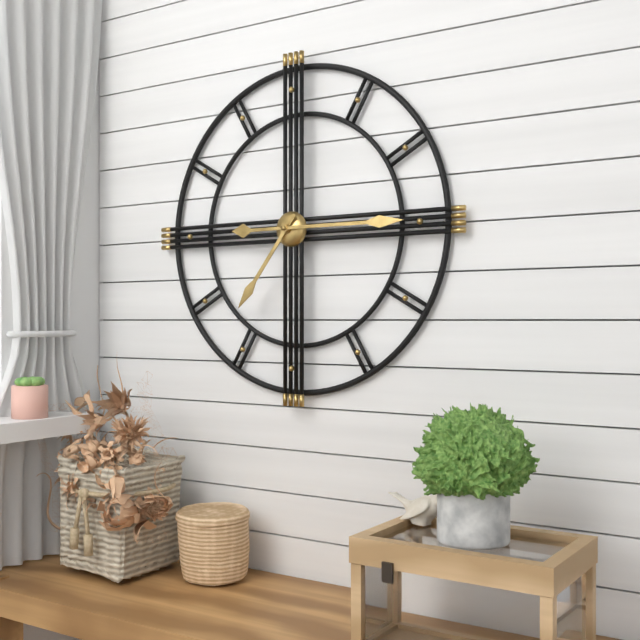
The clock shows **7:15**
